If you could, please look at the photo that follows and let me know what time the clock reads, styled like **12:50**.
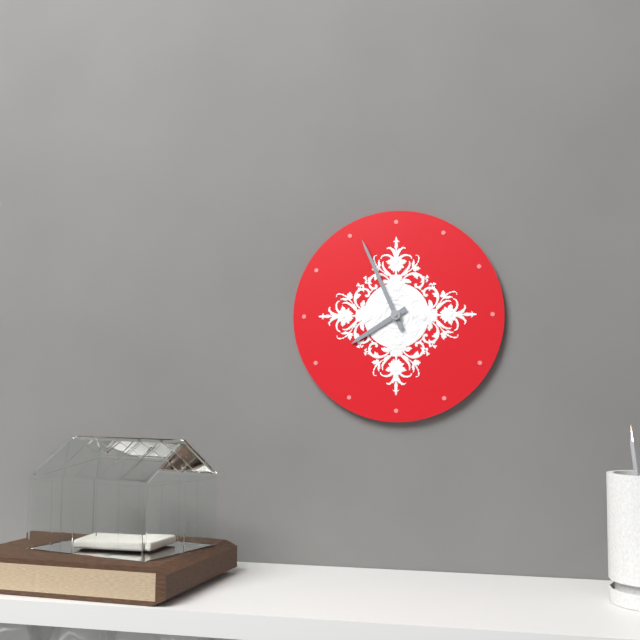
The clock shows **7:56**
